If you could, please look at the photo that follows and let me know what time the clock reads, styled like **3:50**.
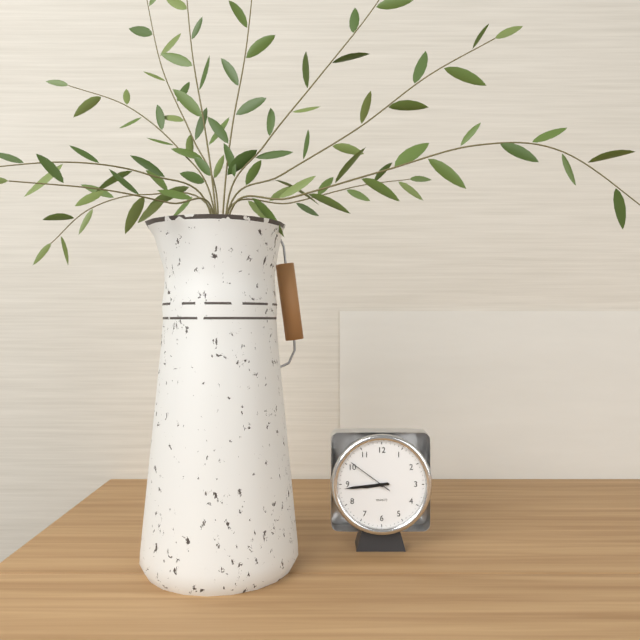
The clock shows **8:44**
